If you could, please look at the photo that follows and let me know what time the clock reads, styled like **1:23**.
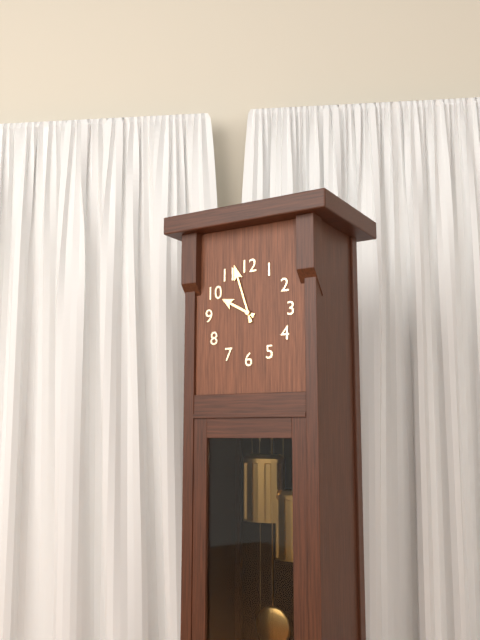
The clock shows **9:57**
